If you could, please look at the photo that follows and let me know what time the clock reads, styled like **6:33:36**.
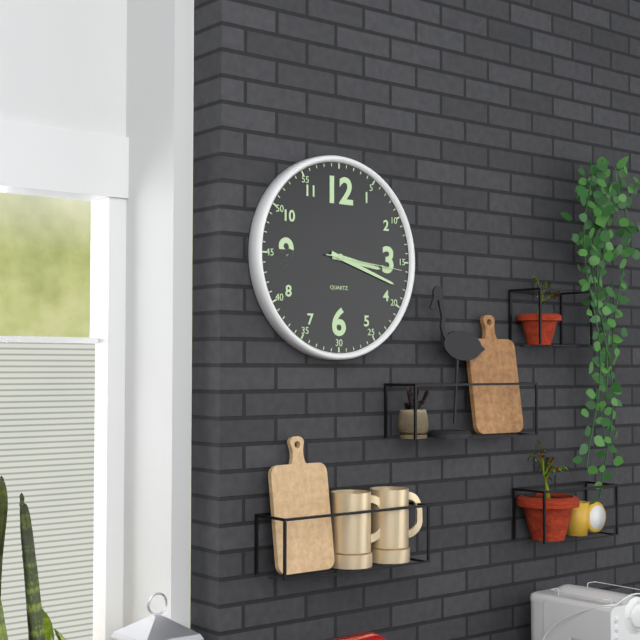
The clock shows **3:18:16**
